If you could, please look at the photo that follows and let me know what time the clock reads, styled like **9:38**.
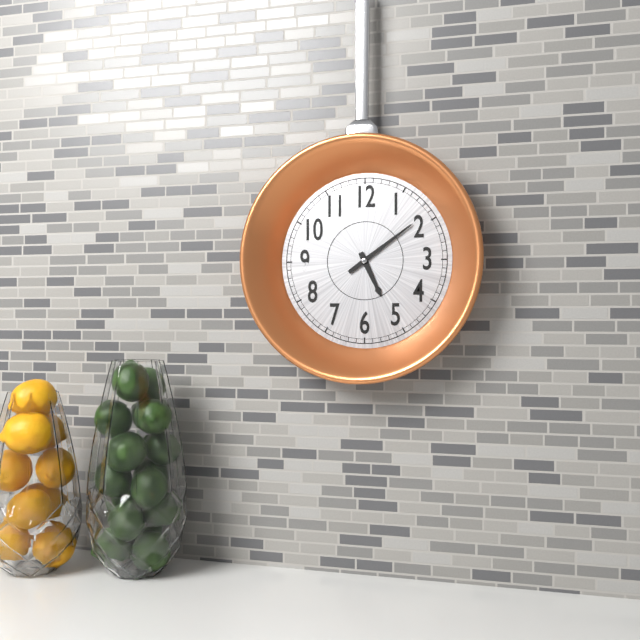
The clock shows **5:09**
